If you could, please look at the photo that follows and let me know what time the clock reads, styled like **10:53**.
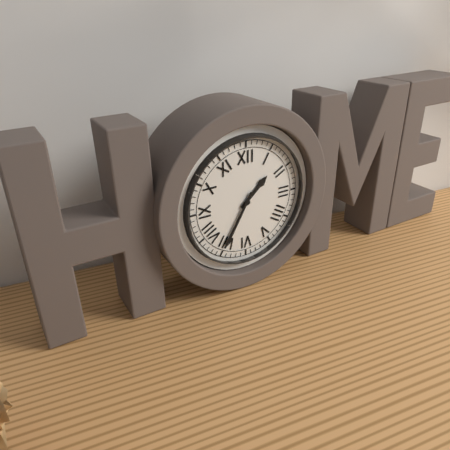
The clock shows **1:35**
